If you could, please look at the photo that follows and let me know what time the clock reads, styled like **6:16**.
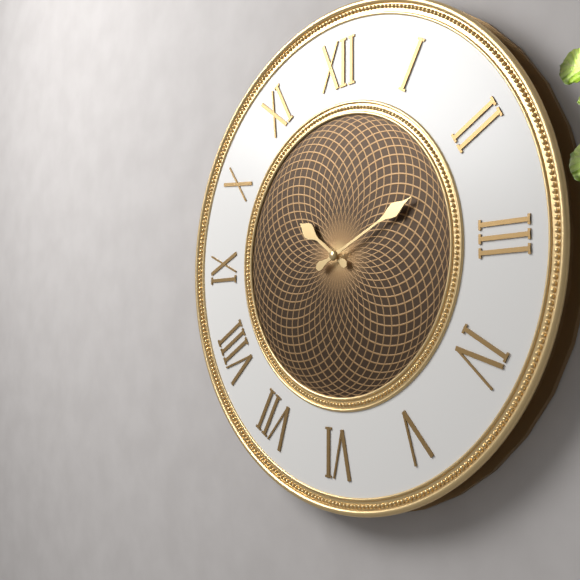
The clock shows **10:11**
